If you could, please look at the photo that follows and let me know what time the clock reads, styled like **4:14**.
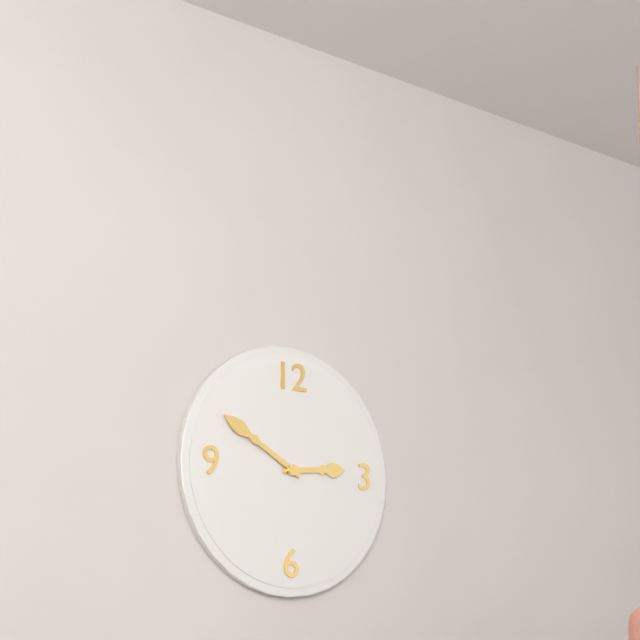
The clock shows **2:50**
